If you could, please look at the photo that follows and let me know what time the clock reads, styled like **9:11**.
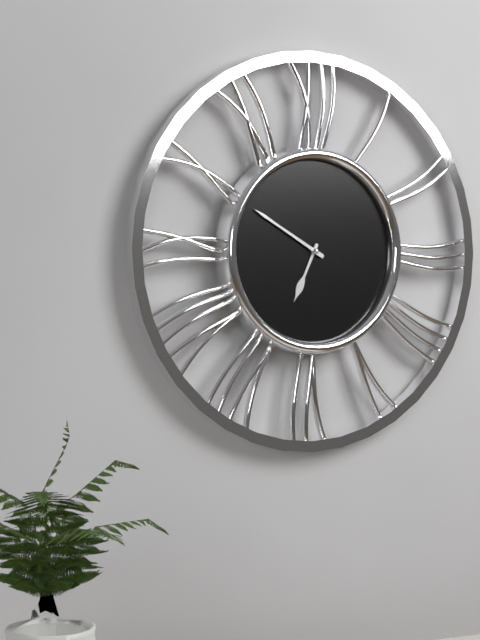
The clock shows **6:50**
